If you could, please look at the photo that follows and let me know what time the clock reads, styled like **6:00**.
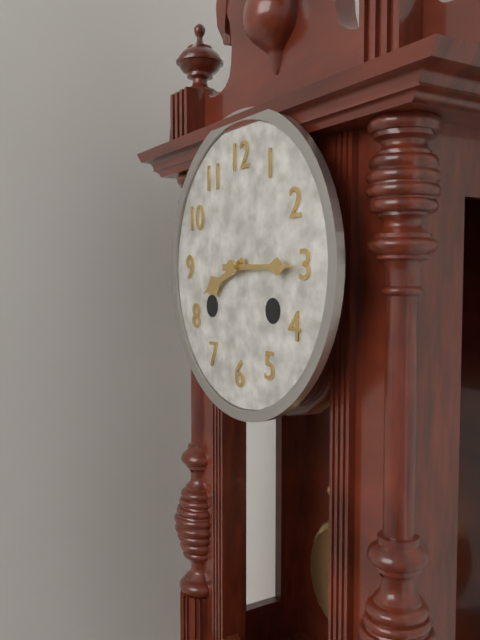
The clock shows **8:15**
